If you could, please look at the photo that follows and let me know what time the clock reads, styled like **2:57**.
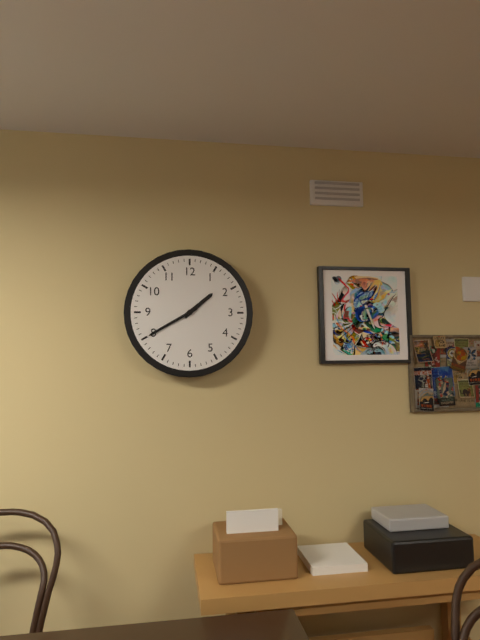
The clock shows **1:40**
